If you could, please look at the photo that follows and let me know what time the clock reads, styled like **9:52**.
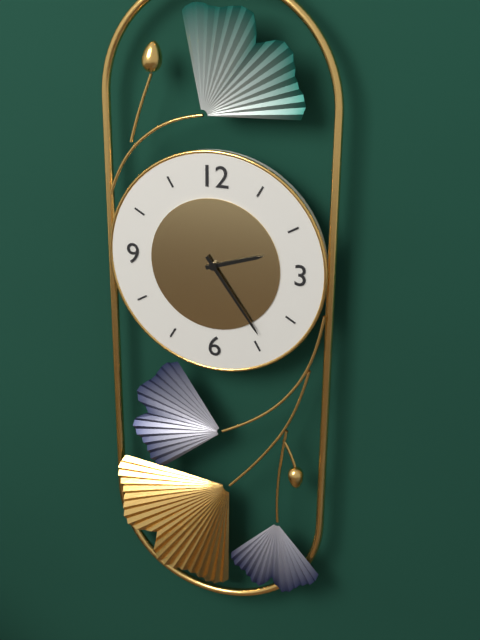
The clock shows **2:24**
